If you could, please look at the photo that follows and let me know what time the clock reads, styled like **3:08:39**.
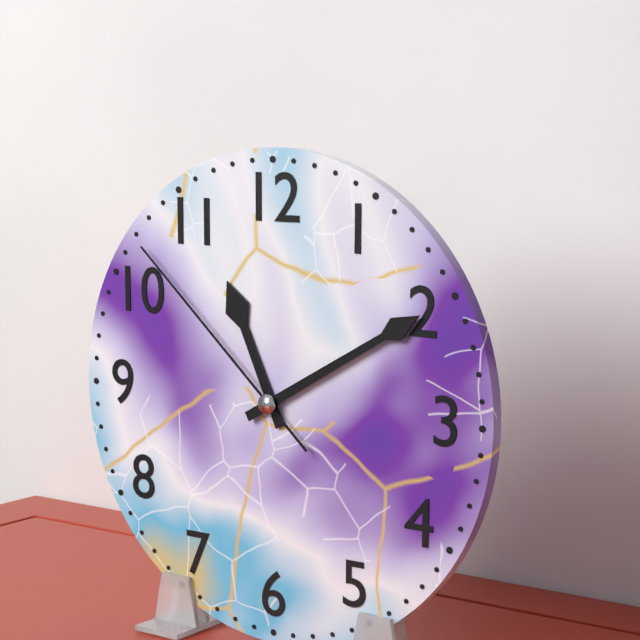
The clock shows **11:10:52**
